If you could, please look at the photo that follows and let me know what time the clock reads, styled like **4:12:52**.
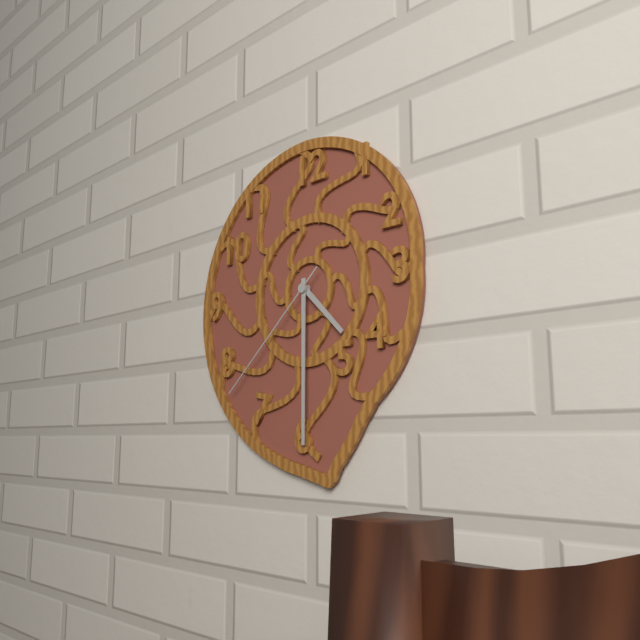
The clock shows **4:30:38**
